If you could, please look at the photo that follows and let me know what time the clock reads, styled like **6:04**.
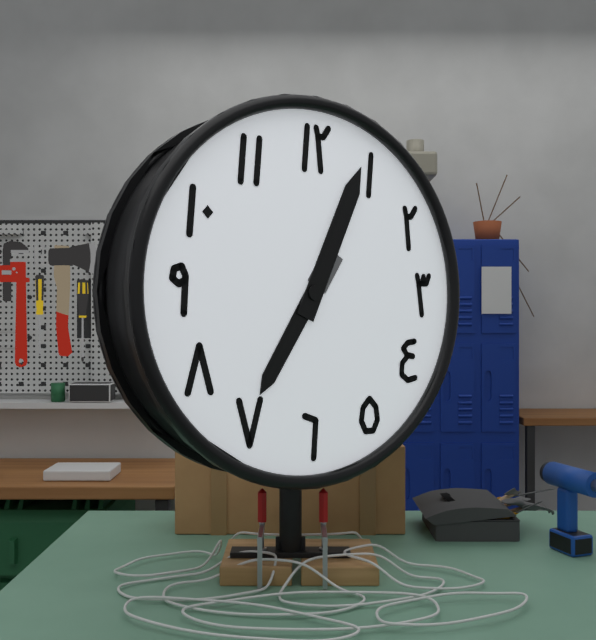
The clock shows **7:04**
